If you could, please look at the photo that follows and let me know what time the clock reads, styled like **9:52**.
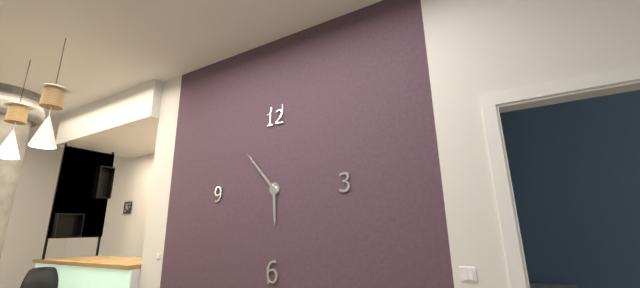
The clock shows **5:53**
